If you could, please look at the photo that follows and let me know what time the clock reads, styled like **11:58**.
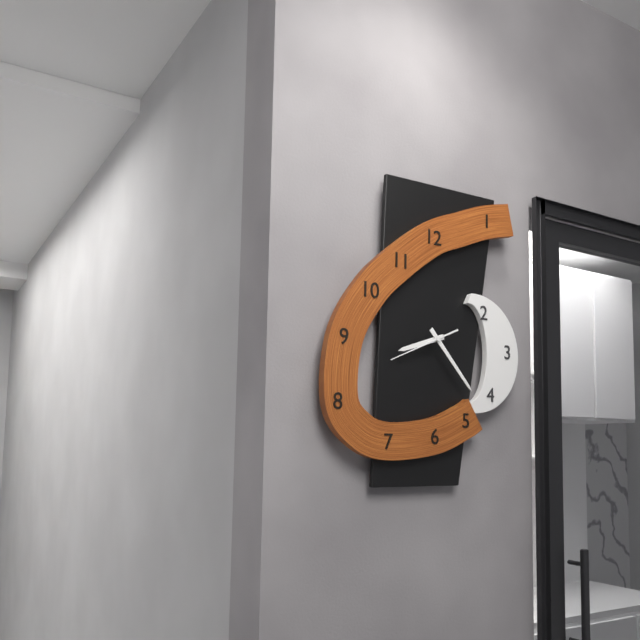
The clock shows **8:23**
